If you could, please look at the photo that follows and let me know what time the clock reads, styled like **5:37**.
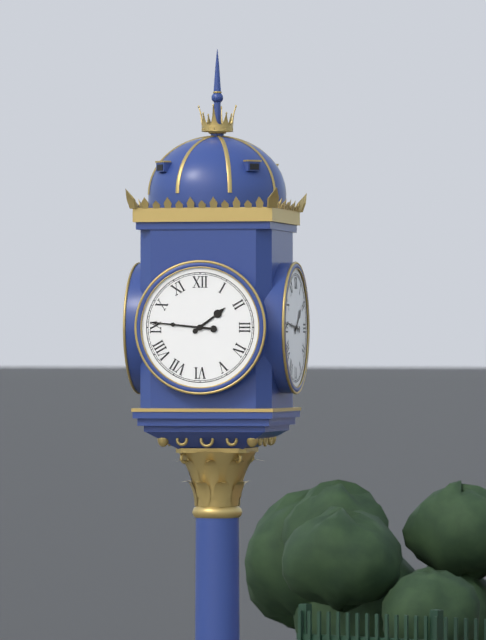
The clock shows **1:46**
